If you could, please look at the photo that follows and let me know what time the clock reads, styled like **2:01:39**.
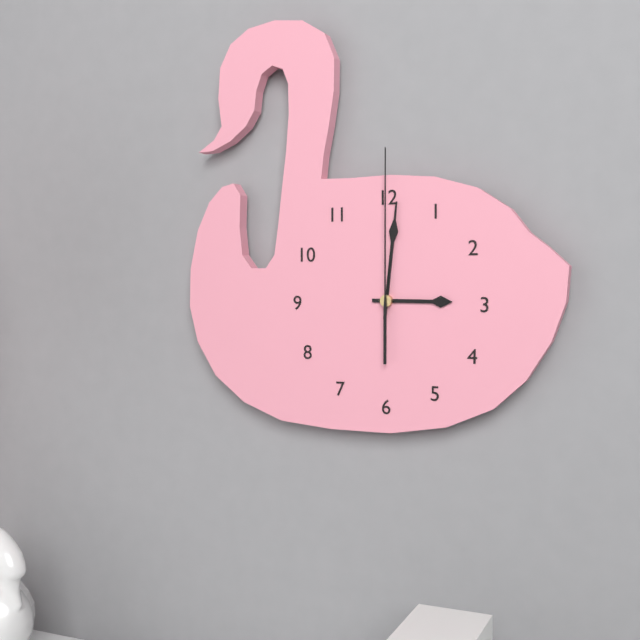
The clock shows **3:01:00**
